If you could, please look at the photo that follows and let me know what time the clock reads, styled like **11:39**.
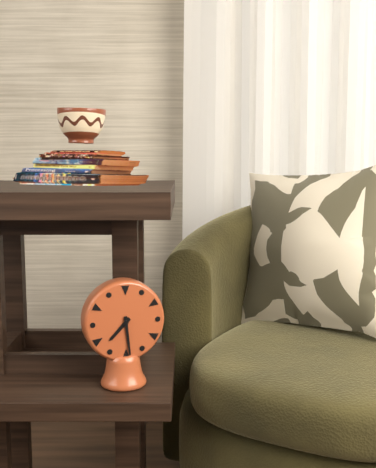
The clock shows **7:29**
